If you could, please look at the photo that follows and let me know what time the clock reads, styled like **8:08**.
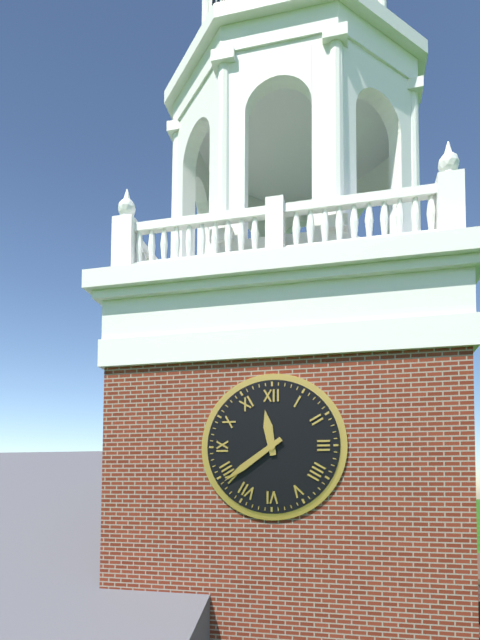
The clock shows **11:39**
